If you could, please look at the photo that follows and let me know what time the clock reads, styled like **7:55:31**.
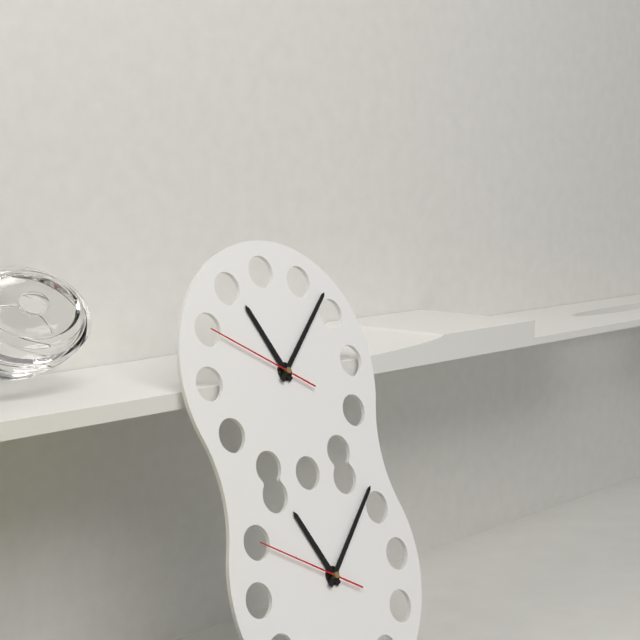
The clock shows **11:08:50**
